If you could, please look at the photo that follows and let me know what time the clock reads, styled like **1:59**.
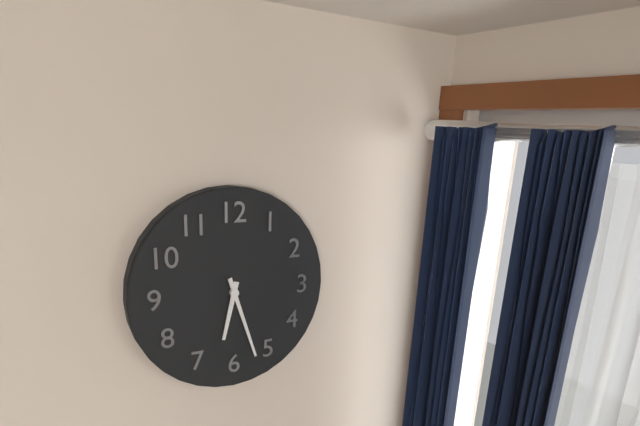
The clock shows **6:27**
